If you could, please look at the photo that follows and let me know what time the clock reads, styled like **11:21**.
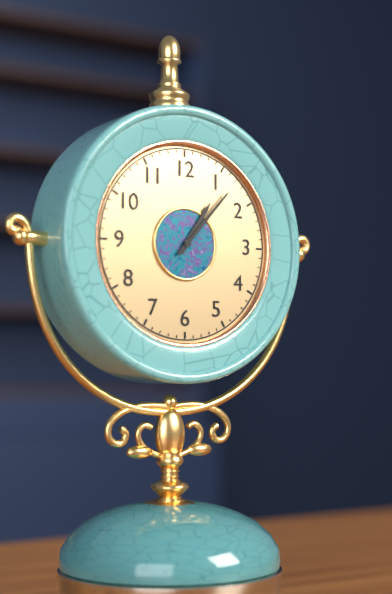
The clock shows **1:07**
